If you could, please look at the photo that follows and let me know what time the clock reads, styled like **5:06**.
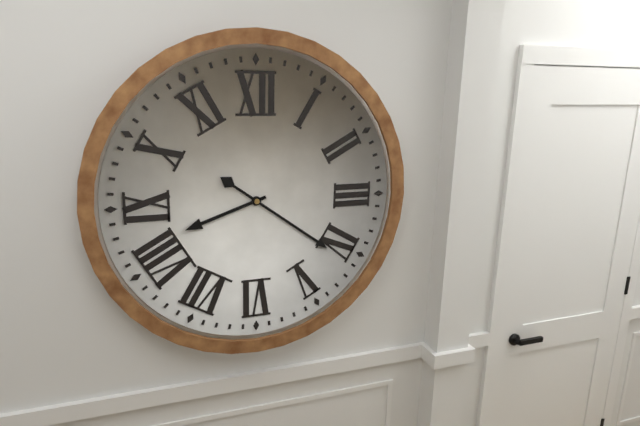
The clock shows **8:21**
